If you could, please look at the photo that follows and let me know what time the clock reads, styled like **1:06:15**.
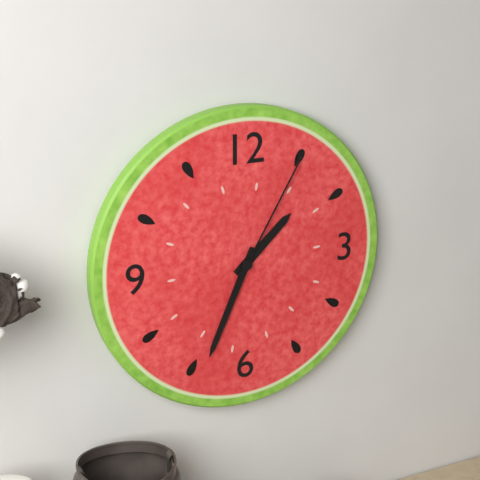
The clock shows **1:34:05**
